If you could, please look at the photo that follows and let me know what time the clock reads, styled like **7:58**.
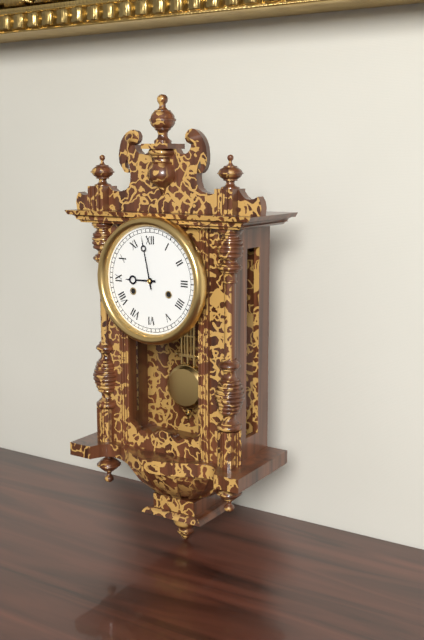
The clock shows **8:58**
